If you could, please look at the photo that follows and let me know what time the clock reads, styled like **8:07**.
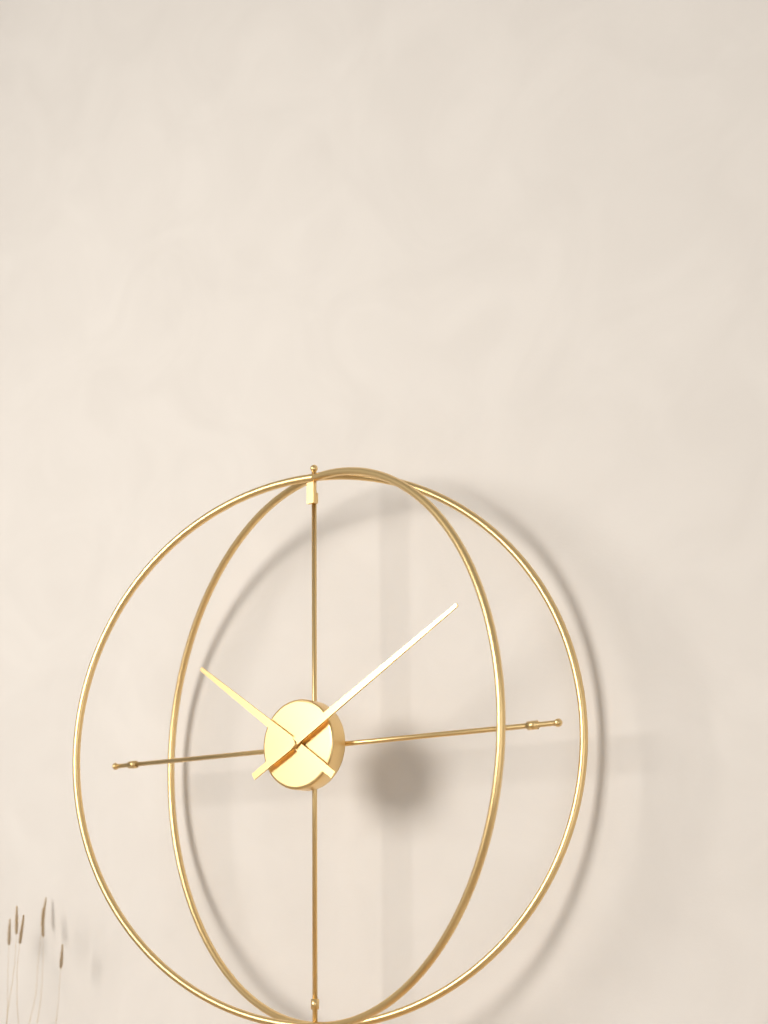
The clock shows **10:10**
